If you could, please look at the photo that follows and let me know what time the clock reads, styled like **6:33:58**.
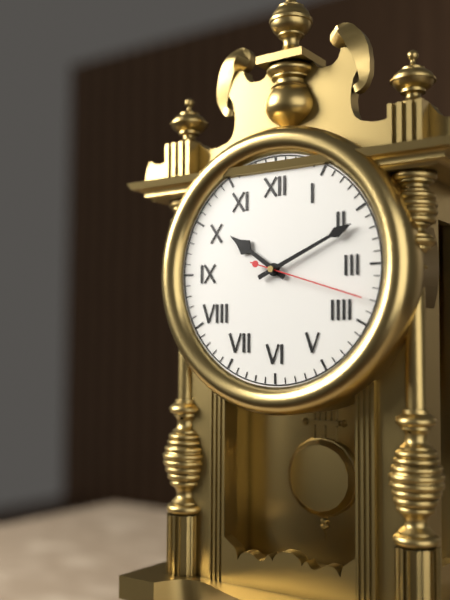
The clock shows **10:11:18**
